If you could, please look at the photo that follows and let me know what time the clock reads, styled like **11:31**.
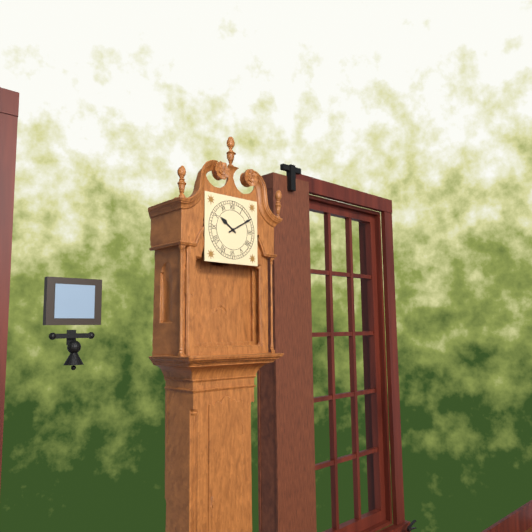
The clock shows **10:10**
